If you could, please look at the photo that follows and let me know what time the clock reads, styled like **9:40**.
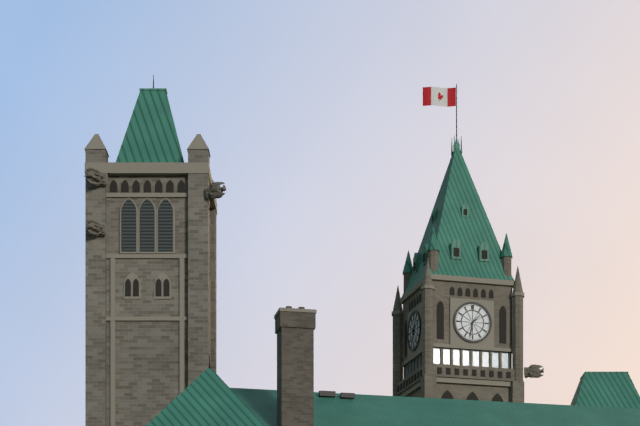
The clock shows **1:32**
